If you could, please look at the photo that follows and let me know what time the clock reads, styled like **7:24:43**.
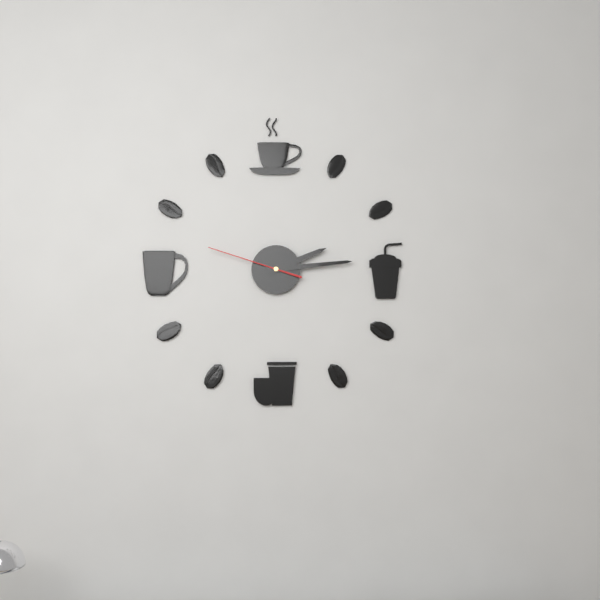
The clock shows **2:14:48**
